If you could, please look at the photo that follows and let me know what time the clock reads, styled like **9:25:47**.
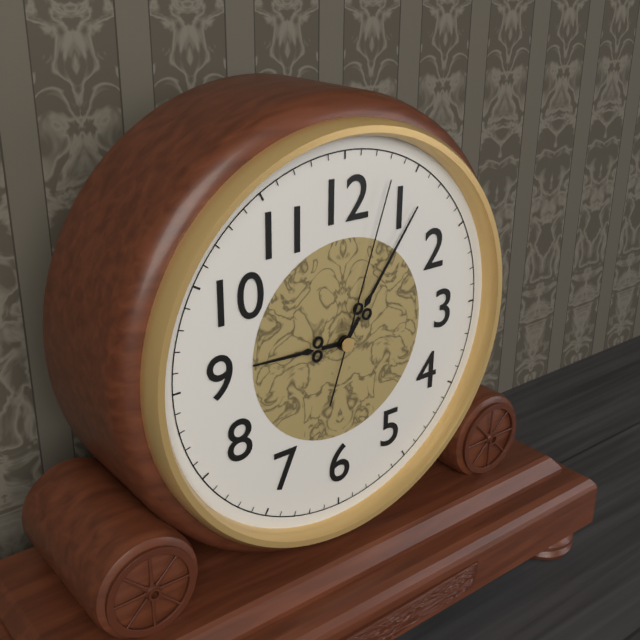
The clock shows **9:06:03**
